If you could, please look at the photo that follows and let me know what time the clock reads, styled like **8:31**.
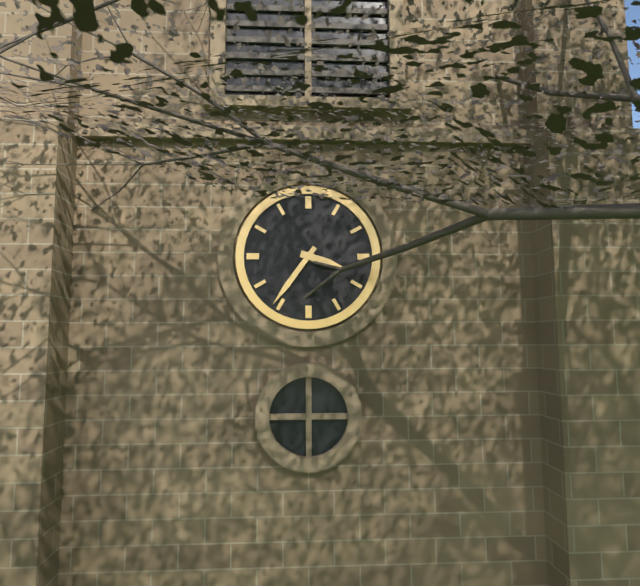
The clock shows **3:36**
